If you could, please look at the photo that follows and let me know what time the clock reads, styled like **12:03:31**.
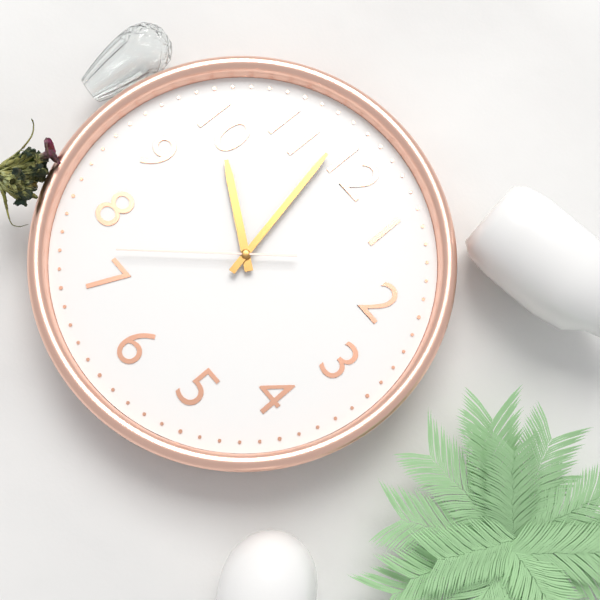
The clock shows **9:58:37**
